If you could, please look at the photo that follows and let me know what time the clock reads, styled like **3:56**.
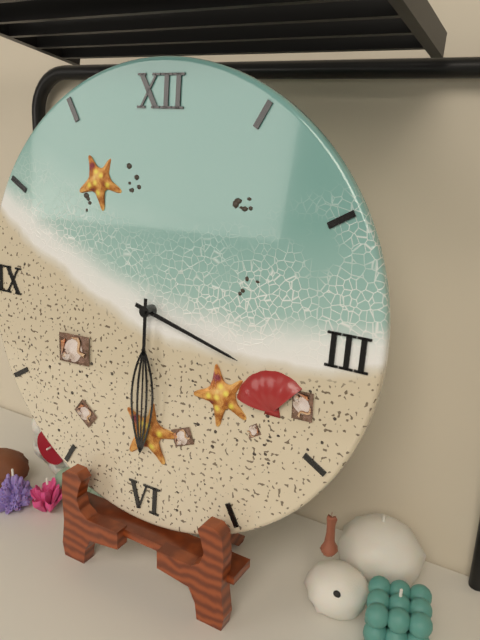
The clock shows **3:30**
